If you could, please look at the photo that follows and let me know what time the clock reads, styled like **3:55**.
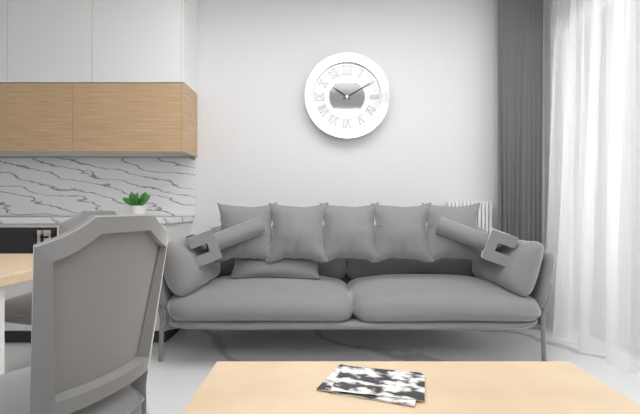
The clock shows **10:10**
